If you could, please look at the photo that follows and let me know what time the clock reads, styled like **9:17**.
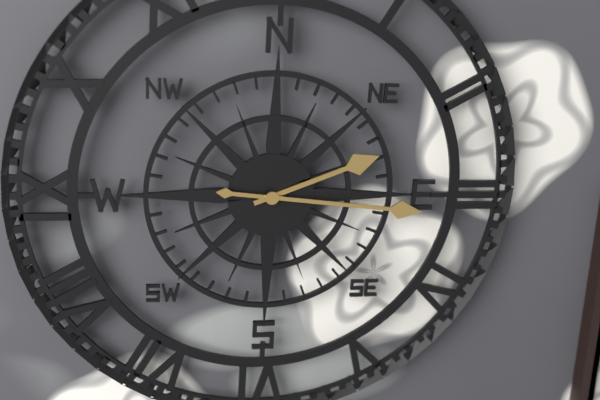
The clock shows **2:16**
